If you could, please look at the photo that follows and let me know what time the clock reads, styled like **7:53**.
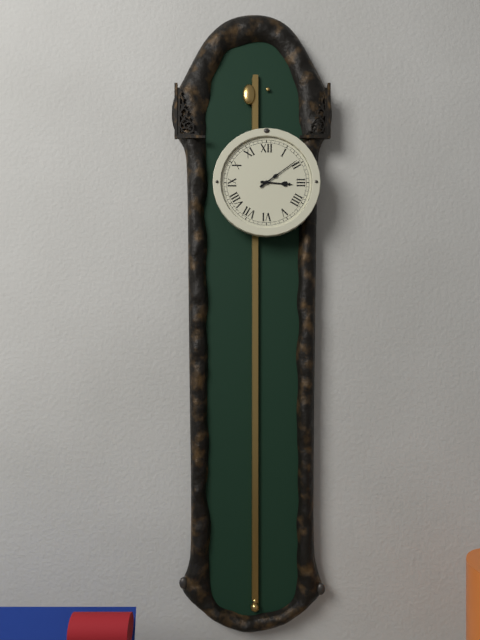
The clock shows **3:09**
